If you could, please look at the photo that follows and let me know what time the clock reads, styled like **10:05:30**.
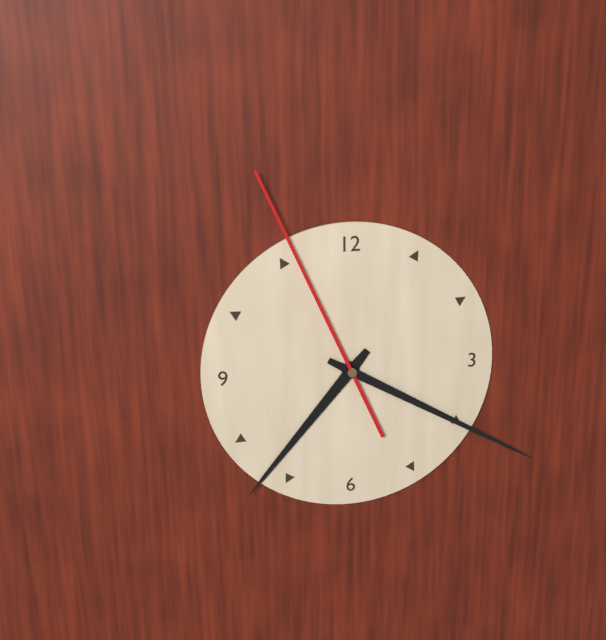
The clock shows **7:20:56**
